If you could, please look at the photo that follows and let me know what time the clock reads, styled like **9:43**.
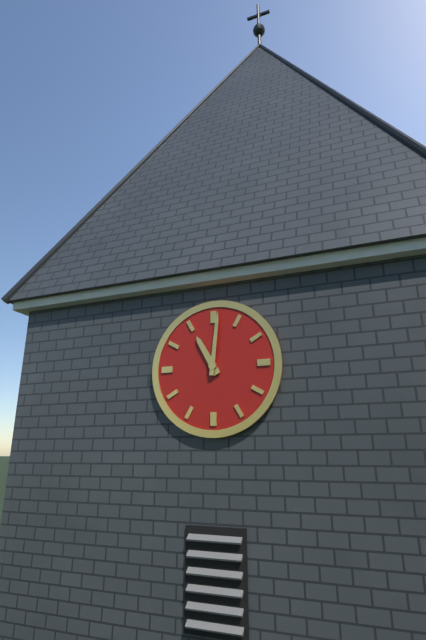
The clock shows **11:01**
